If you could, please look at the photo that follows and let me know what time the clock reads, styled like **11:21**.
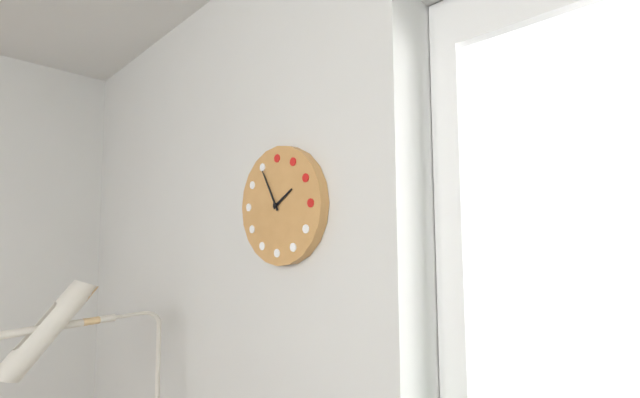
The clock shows **1:55**
